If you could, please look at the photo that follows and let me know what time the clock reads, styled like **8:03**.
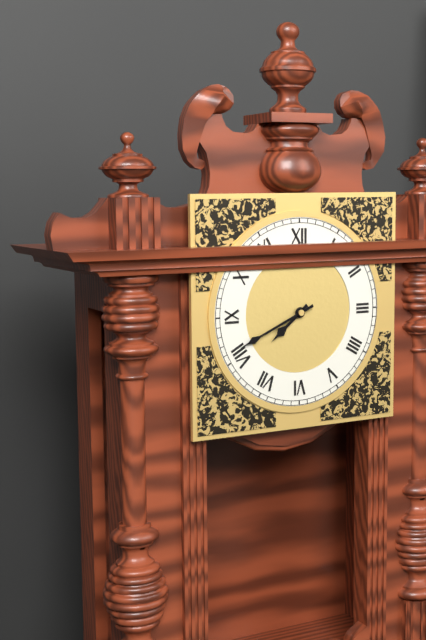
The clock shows **7:41**
